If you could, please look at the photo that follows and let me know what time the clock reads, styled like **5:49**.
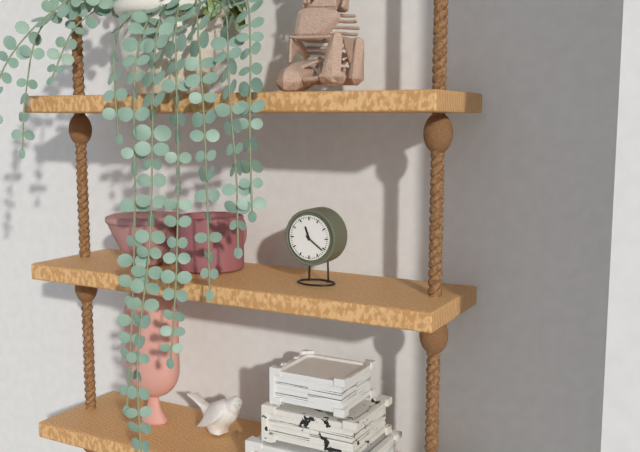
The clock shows **11:21**
